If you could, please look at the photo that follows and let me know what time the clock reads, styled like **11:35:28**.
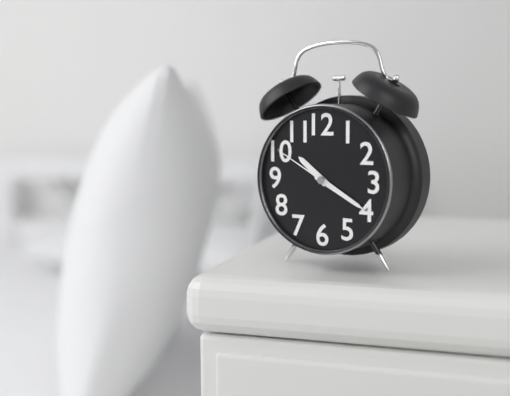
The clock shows **10:20:50**
